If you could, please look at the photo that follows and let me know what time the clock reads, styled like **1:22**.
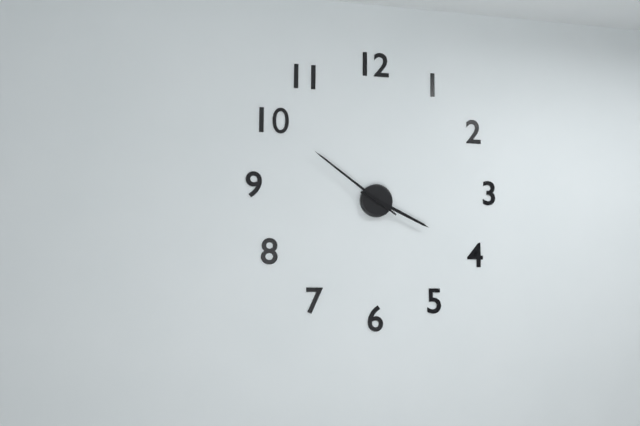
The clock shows **3:51**
